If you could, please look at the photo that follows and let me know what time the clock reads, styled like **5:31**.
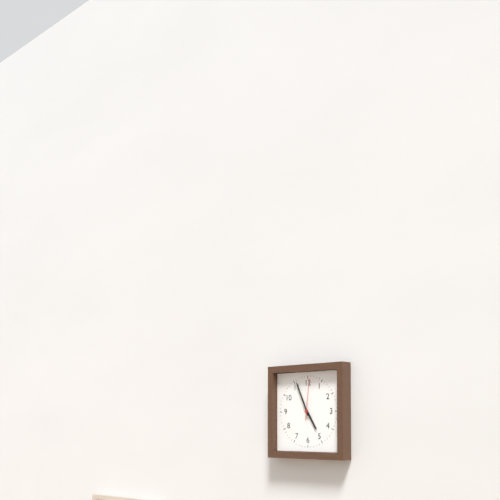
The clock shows **4:56**
